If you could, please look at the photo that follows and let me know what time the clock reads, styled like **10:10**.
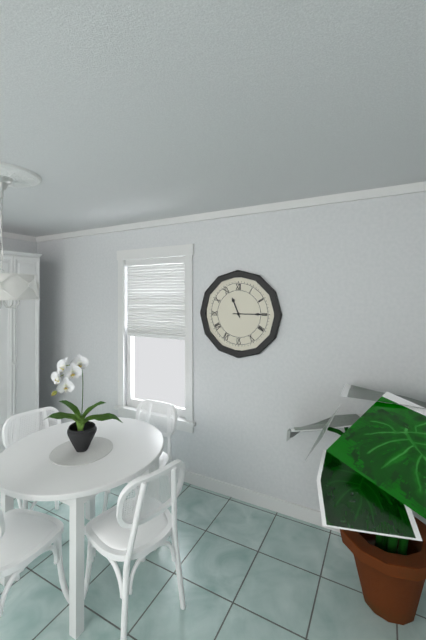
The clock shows **11:15**
